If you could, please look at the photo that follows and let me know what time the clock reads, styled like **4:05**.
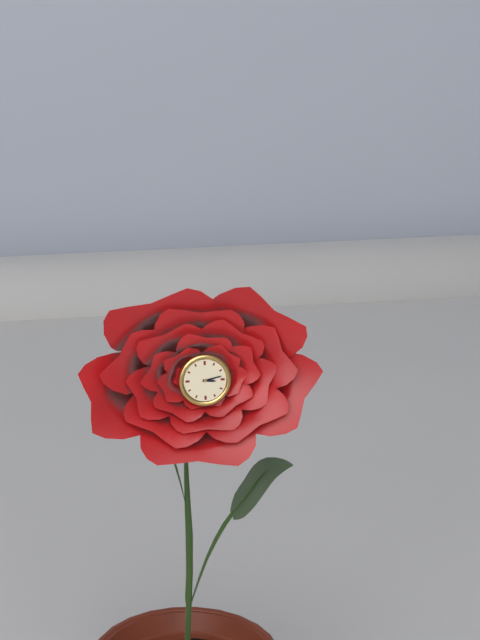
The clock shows **3:13**
